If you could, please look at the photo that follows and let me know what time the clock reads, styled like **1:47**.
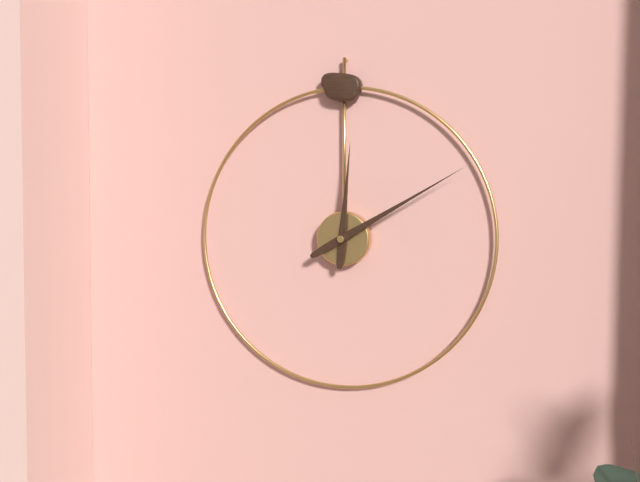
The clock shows **12:10**
